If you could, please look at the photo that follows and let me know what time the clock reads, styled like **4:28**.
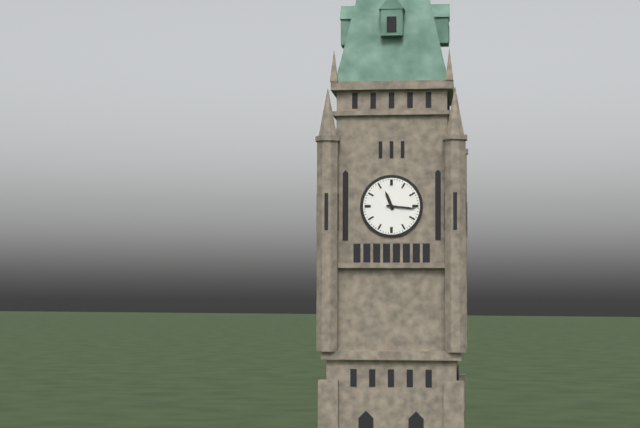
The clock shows **11:16**
